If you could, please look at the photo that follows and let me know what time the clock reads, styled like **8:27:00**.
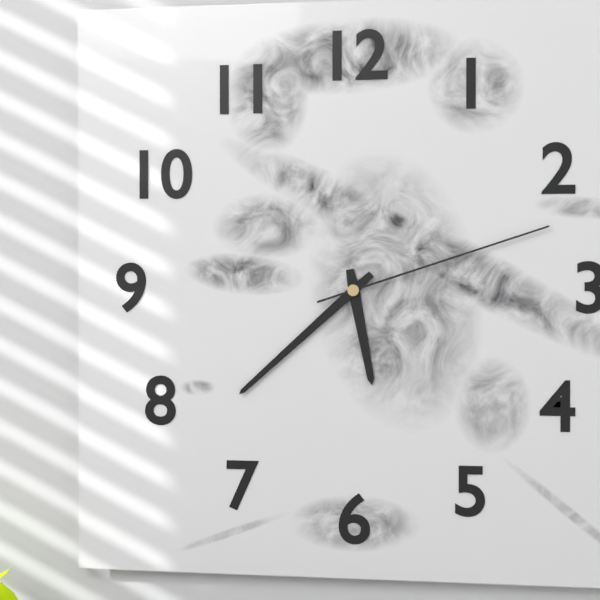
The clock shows **5:38:12**
